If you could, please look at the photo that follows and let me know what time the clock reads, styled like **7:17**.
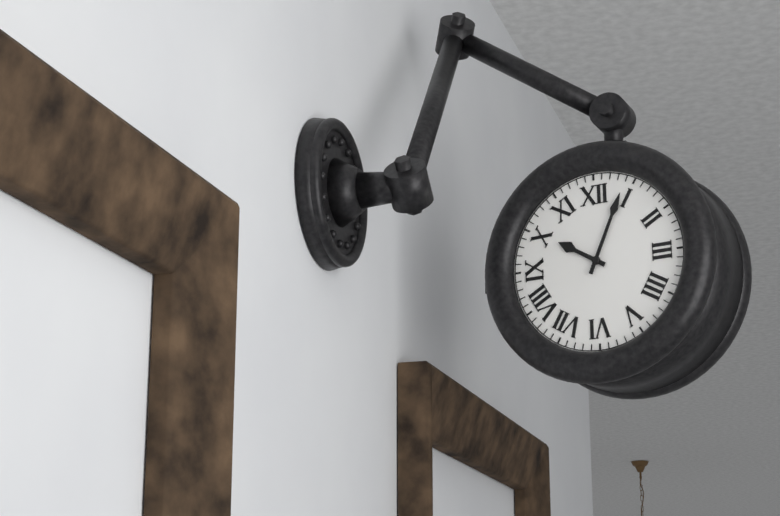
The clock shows **10:04**
